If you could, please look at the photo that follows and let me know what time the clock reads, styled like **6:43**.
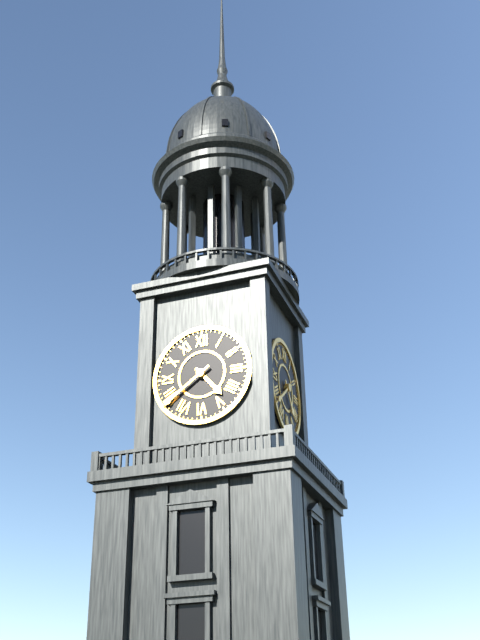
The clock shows **4:39**
